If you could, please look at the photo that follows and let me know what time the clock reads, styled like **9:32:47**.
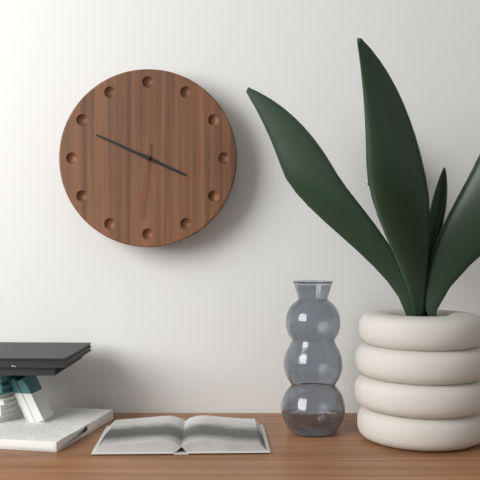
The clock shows **3:49:31**
